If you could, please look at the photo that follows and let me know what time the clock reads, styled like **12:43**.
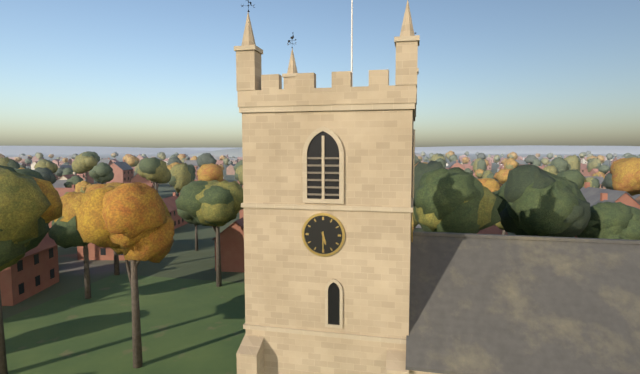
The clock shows **5:30**
